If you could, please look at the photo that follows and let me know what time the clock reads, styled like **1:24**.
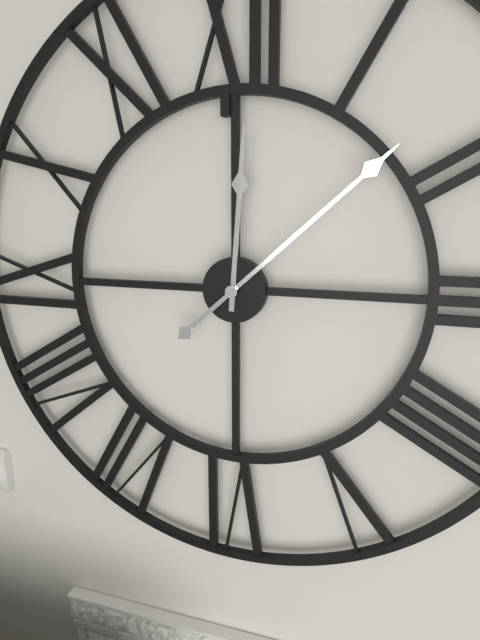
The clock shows **12:08**
